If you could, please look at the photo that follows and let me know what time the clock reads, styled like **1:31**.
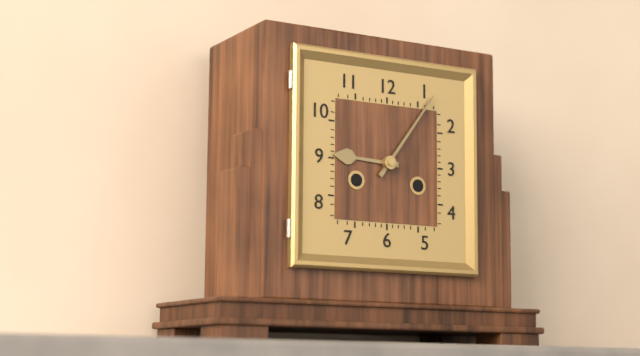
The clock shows **9:06**
